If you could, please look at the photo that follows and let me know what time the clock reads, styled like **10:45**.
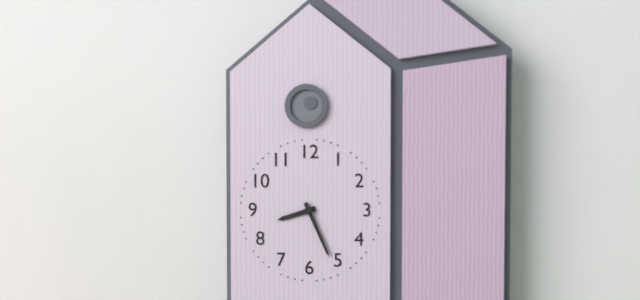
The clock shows **8:26**
